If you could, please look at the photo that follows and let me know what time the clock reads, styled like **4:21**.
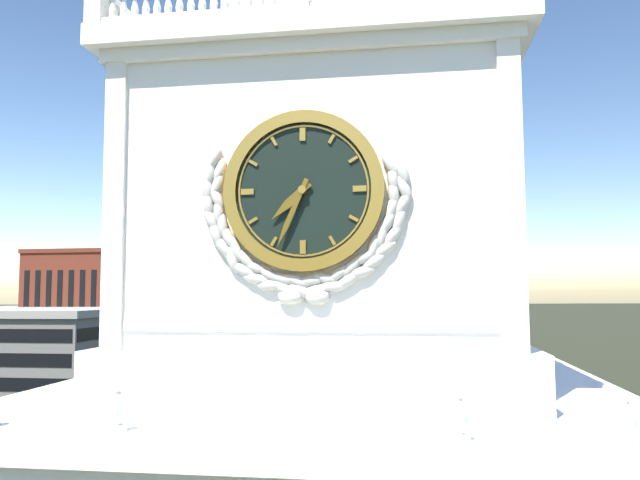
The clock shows **7:34**
